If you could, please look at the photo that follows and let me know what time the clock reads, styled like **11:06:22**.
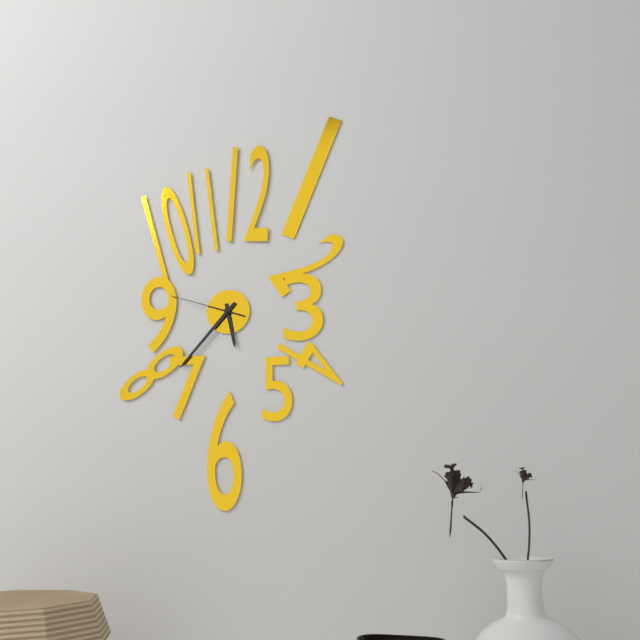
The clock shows **5:37:48**
